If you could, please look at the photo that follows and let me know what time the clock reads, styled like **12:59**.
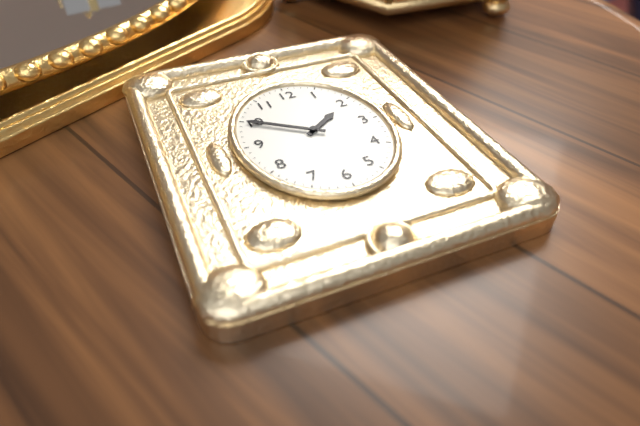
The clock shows **1:51**
